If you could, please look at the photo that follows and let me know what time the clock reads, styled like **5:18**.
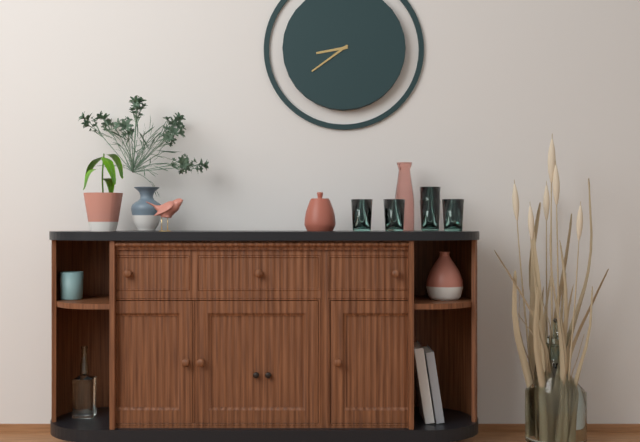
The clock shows **8:39**
